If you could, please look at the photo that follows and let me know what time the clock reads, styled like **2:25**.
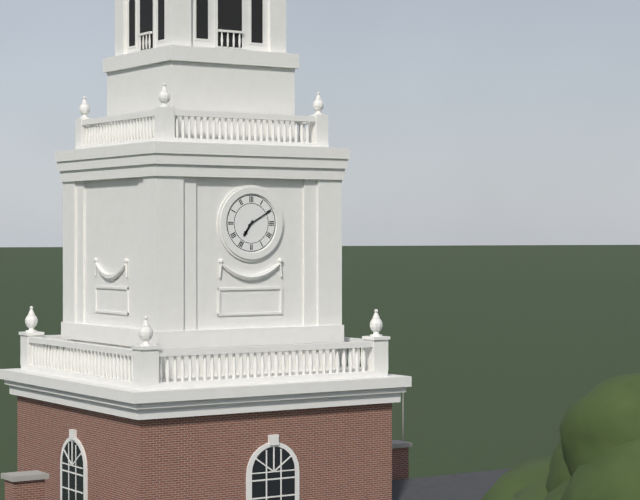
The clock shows **7:10**
